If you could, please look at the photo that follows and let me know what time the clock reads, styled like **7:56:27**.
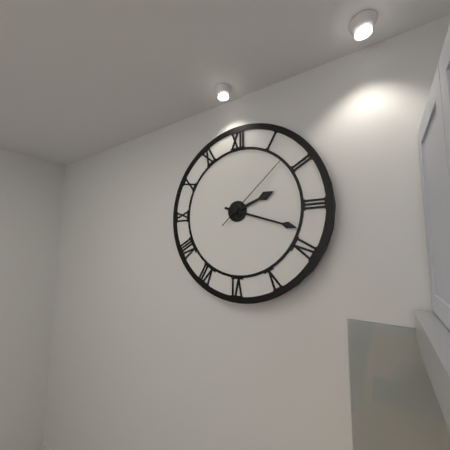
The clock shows **2:18:08**
